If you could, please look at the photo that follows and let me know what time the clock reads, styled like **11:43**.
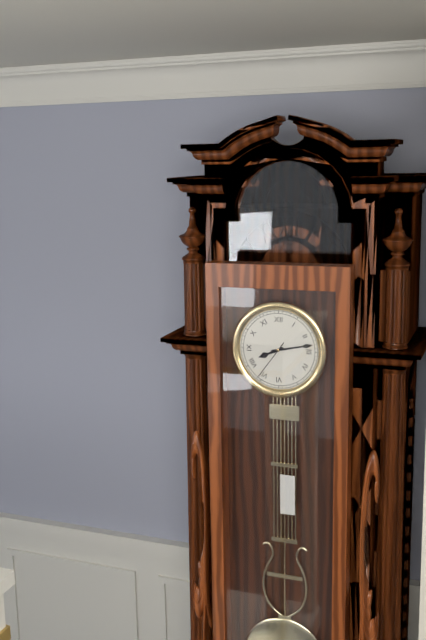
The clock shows **8:13**
